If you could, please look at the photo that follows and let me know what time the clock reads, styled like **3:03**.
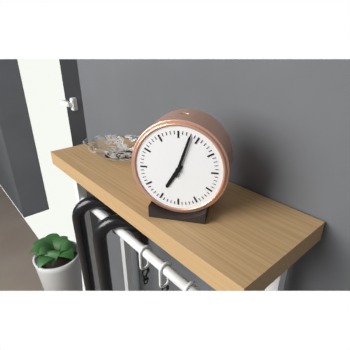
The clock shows **7:03**
